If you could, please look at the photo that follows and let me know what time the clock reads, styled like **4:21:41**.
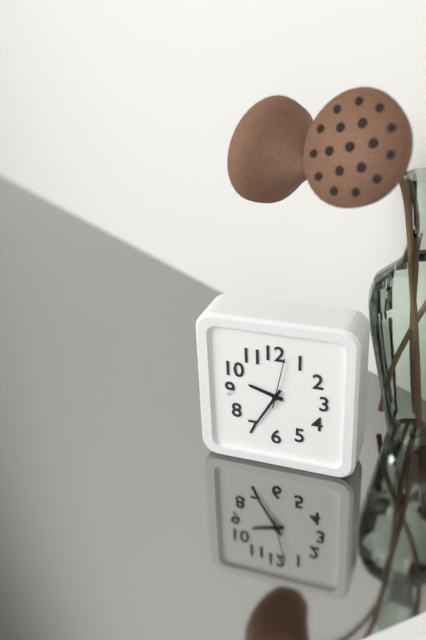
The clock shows **9:35:02**
